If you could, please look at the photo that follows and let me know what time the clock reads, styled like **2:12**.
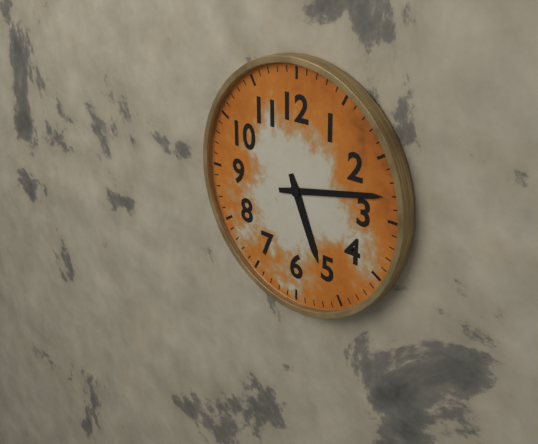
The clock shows **5:13**
